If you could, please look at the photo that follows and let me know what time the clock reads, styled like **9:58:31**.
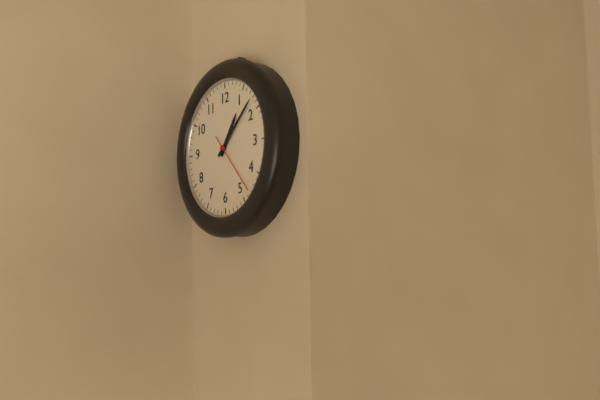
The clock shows **1:08:23**
